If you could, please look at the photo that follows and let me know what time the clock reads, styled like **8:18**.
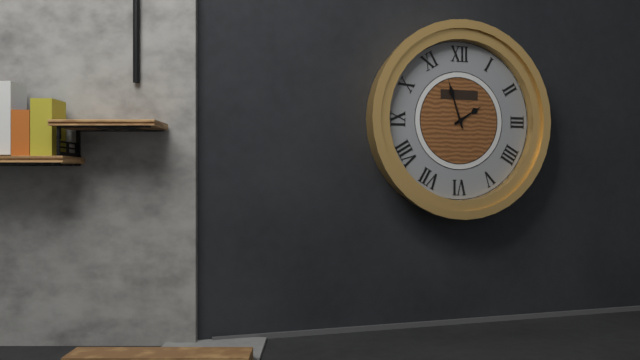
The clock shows **1:57**
